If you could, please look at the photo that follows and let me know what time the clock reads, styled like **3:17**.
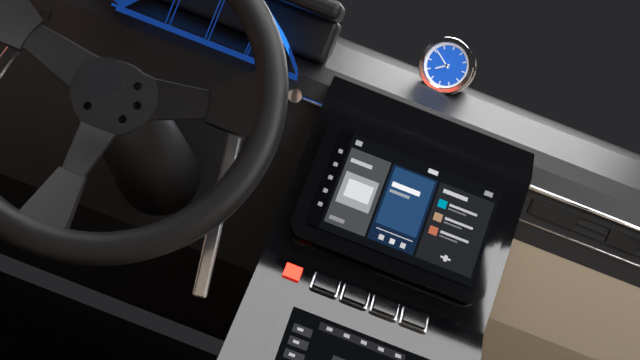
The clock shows **7:51**
